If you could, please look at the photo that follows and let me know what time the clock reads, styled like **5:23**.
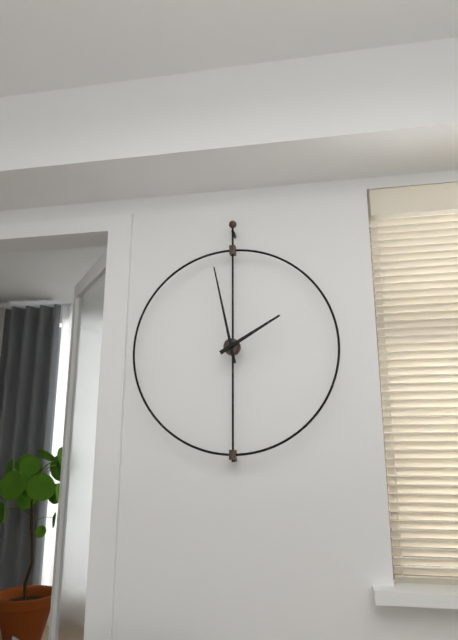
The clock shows **1:58**
